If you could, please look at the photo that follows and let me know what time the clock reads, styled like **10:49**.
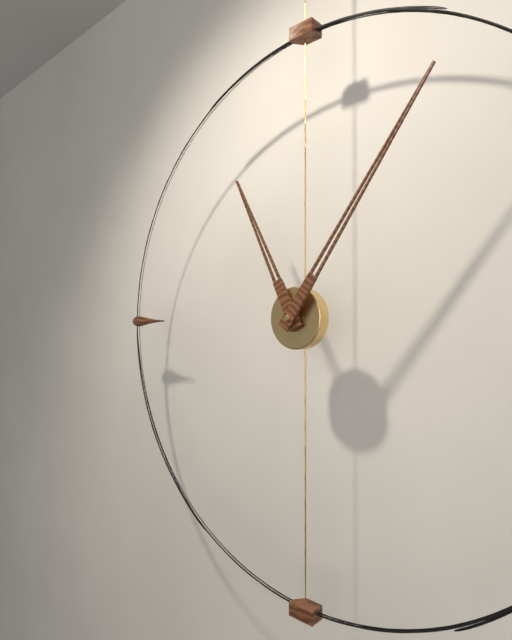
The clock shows **11:06**
